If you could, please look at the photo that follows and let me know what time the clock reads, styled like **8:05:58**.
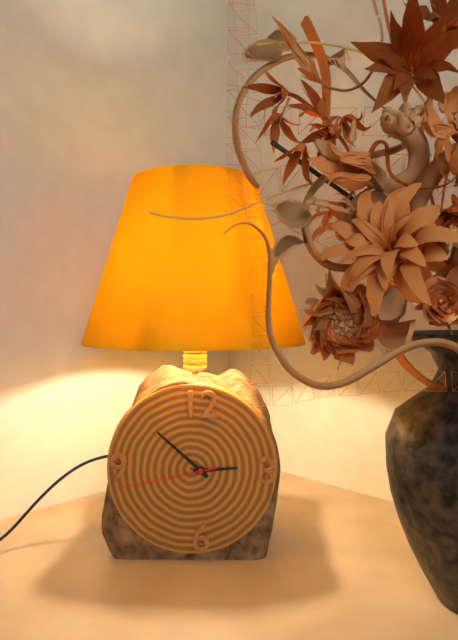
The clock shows **2:52:43**
